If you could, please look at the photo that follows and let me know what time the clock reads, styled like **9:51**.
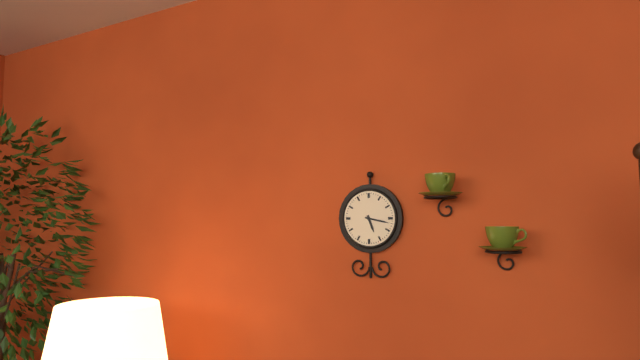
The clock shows **5:17**
